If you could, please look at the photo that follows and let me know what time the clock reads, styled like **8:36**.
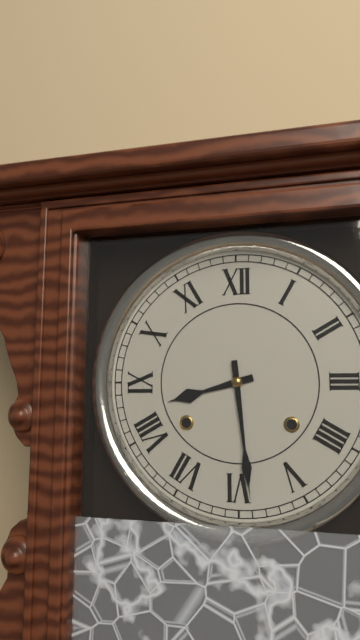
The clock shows **8:29**
